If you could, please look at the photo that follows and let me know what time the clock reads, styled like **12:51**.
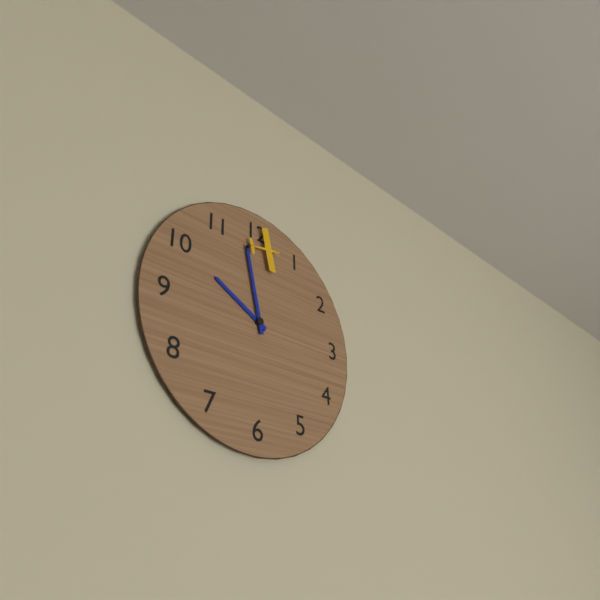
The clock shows **9:58**
